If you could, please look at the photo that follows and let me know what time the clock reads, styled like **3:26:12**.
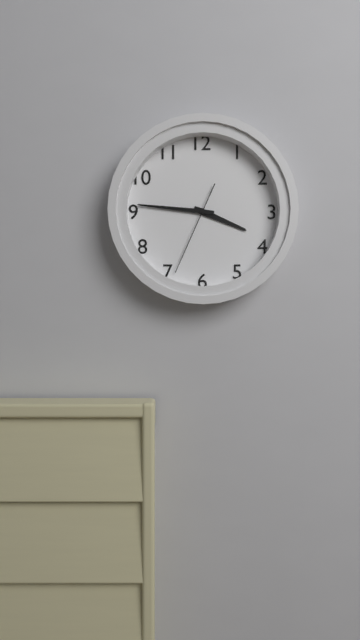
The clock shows **3:46:34**
